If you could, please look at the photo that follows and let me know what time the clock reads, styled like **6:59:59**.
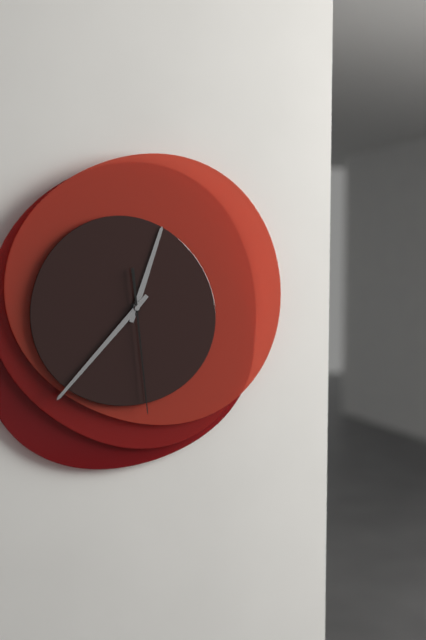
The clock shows **12:37:29**
